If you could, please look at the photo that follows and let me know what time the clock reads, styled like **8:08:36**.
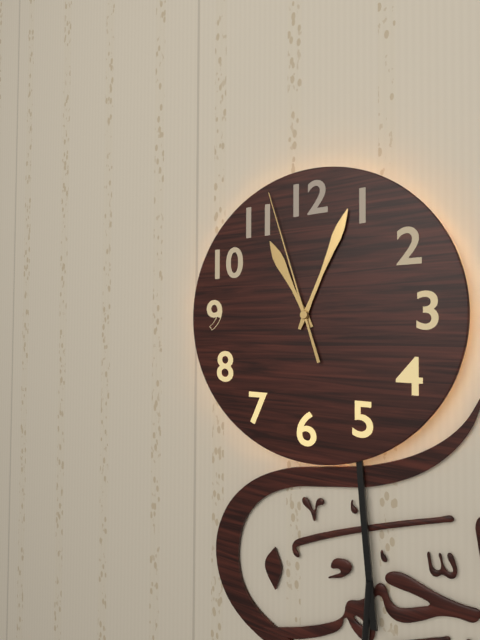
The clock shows **11:04:57**
